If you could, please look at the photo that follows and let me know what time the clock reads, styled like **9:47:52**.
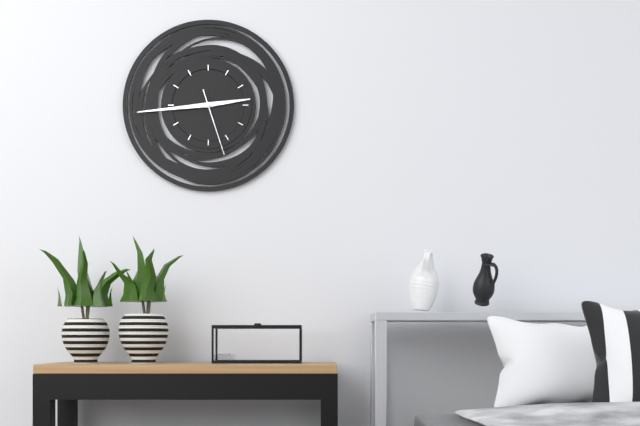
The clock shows **2:44:27**
